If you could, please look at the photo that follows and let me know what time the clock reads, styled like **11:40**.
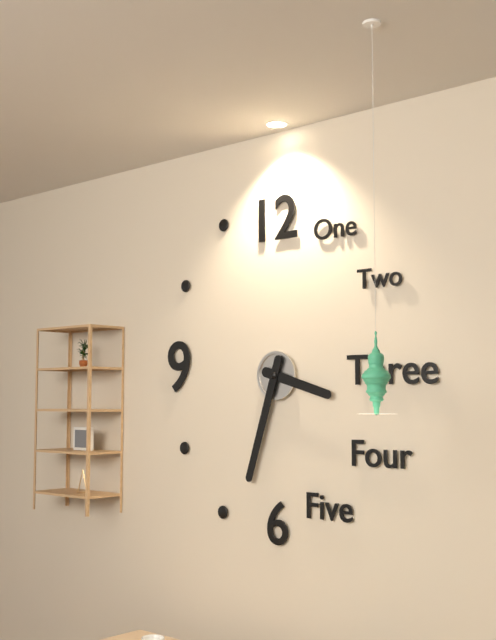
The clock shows **3:33**
